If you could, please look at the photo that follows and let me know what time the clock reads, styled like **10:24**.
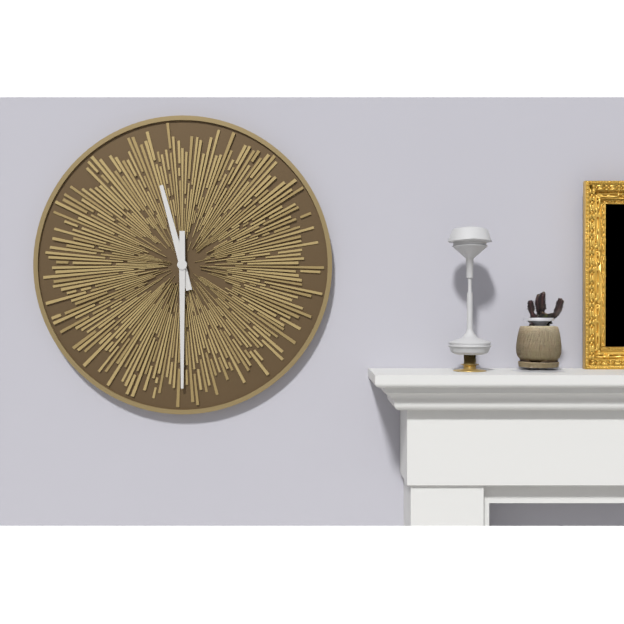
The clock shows **11:30**
